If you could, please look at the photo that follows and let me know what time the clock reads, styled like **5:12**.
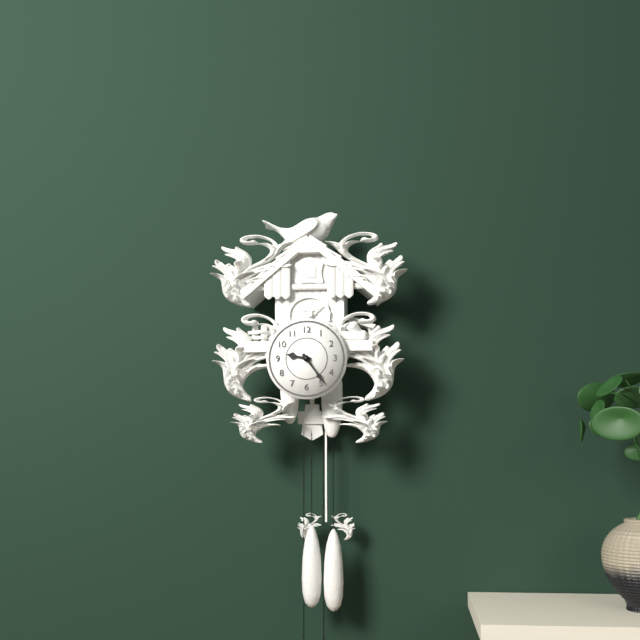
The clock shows **9:24**
